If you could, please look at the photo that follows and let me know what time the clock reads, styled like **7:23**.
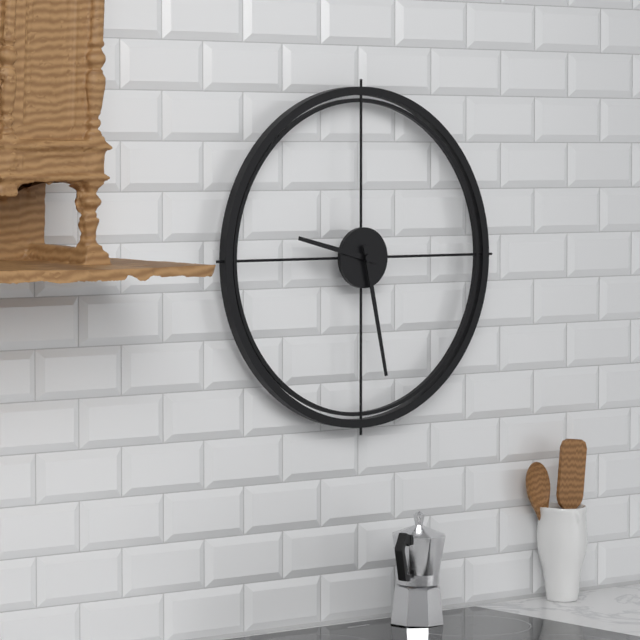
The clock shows **9:28**
